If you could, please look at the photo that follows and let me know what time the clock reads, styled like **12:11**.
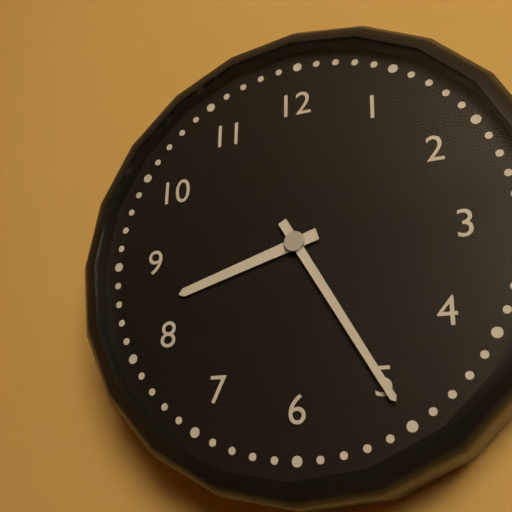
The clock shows **8:25**
